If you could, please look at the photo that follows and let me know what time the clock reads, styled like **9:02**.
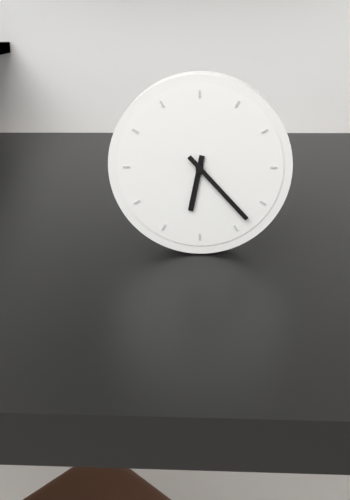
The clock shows **6:23**
